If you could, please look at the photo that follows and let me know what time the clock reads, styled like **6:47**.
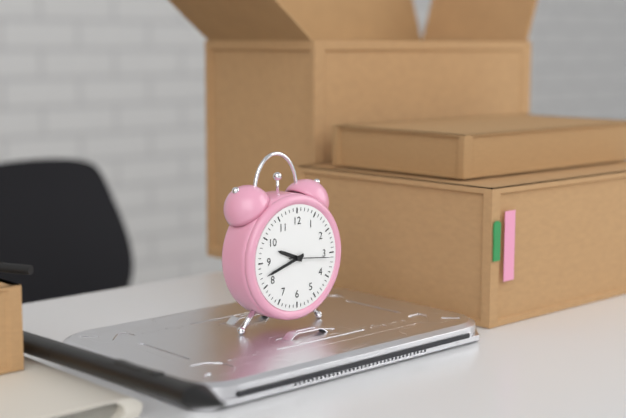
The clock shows **9:42**
